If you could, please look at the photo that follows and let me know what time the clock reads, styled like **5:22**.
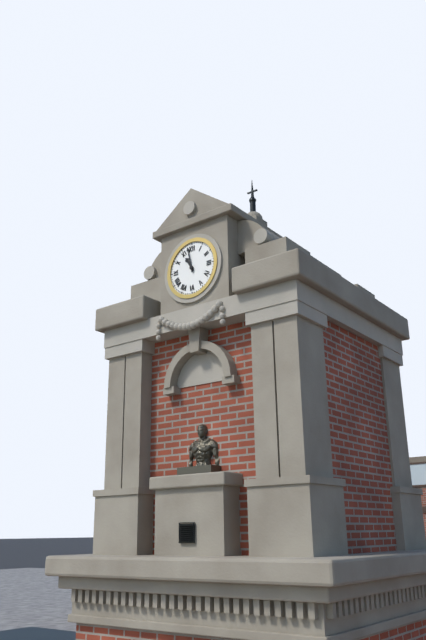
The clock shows **10:58**
